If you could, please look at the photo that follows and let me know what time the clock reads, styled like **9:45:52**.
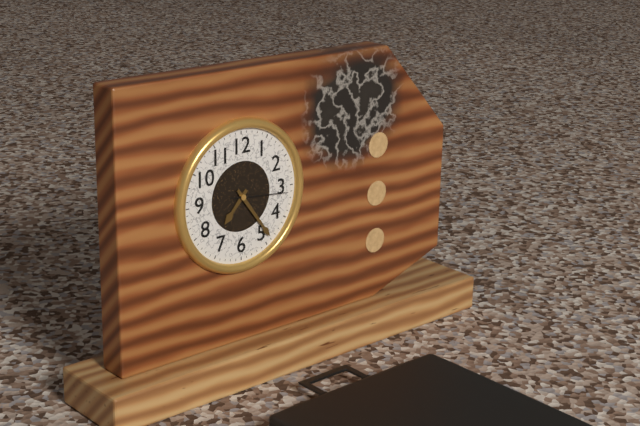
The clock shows **7:24:16**
